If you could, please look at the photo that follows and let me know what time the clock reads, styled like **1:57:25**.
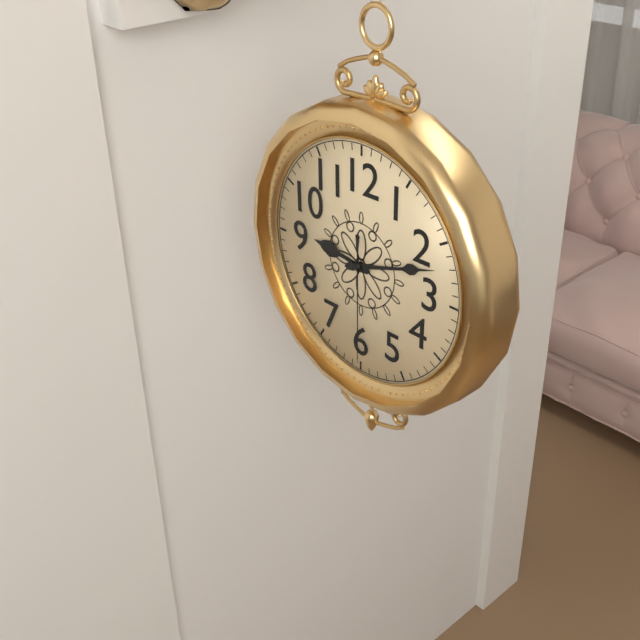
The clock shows **9:12:30**
